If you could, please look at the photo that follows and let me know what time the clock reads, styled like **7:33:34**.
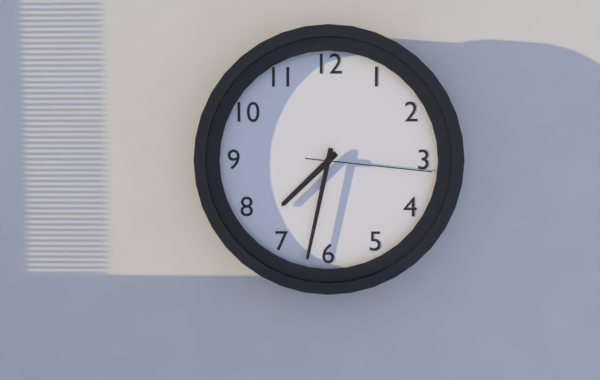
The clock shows **7:32:16**
